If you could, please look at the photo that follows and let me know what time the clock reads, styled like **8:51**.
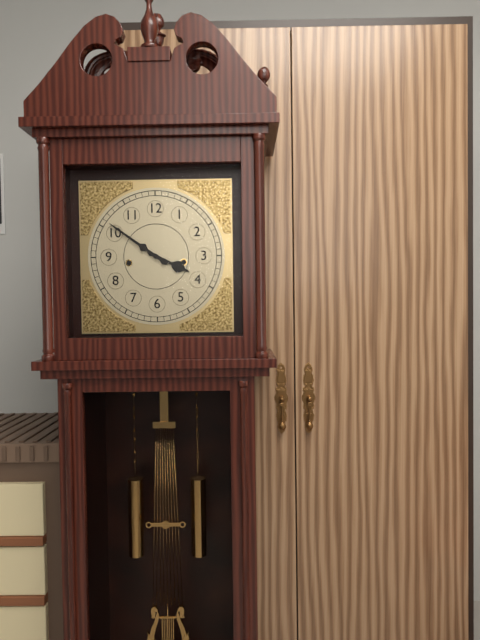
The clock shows **3:51**
